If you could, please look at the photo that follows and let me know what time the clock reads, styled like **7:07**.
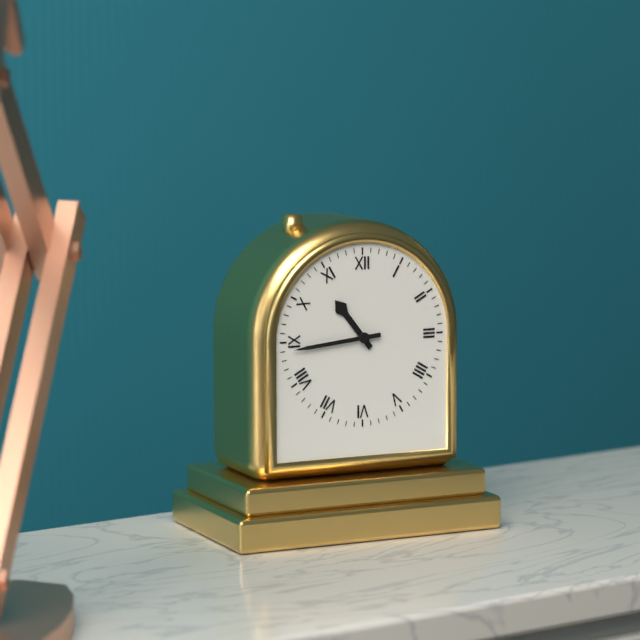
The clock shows **10:44**
